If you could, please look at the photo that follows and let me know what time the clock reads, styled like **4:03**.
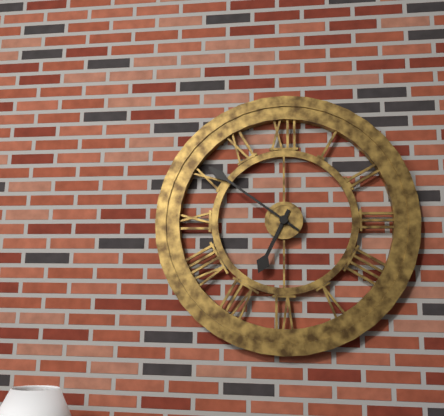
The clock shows **6:51**
